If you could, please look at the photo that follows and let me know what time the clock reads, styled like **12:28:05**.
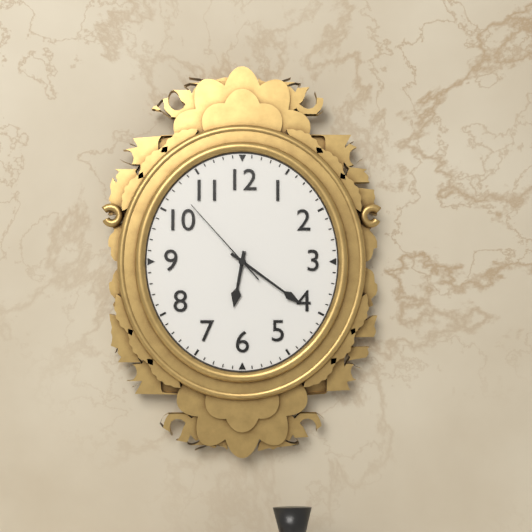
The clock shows **6:21:53**
